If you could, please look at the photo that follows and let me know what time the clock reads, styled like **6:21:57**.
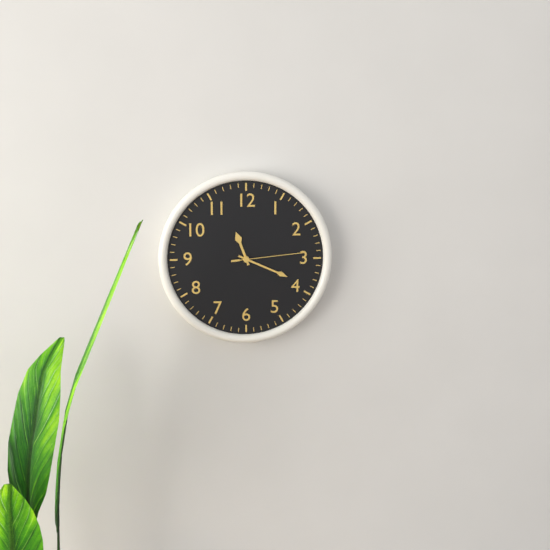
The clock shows **11:19:14**
